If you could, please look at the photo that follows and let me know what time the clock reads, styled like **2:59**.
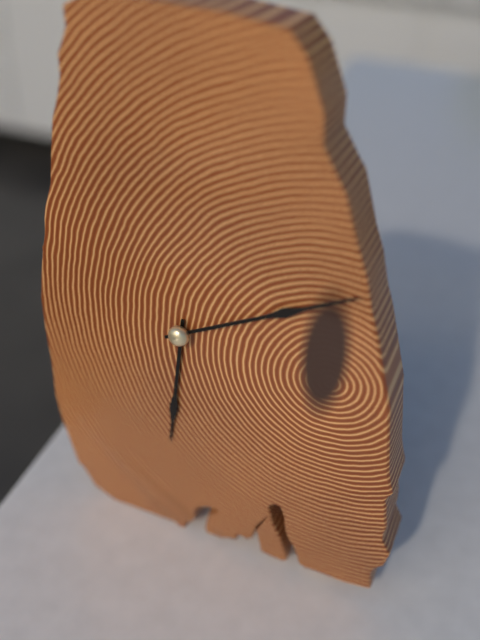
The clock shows **6:10**
